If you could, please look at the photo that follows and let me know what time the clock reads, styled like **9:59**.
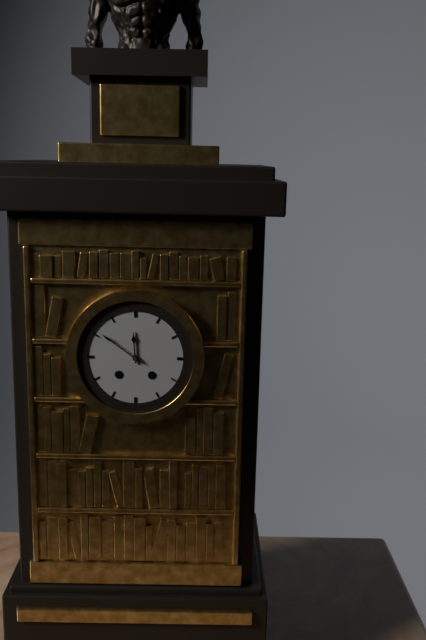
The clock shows **11:51**
